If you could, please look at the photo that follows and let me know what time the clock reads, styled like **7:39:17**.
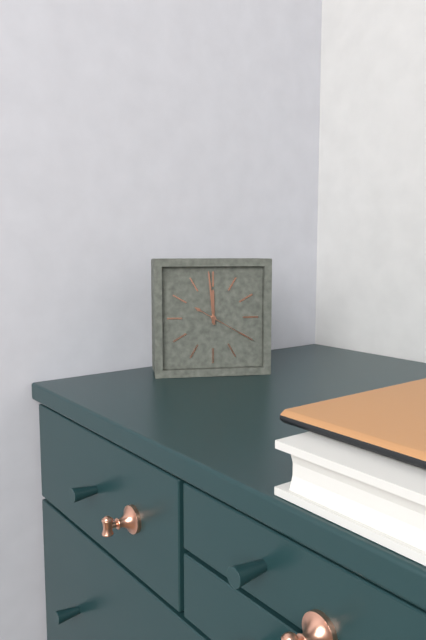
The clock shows **11:59:20**
